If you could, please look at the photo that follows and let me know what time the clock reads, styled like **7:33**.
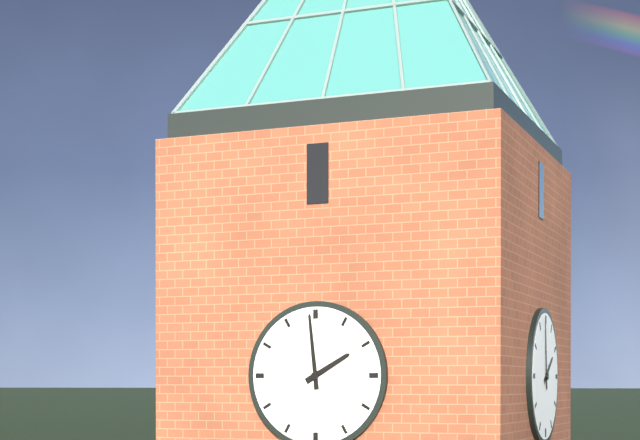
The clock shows **1:59**
